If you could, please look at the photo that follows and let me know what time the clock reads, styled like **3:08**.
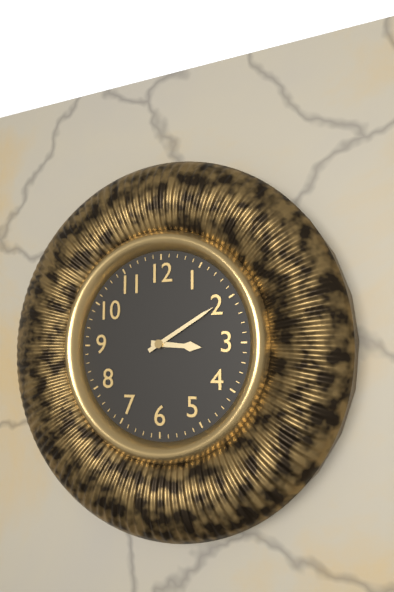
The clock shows **3:10**
